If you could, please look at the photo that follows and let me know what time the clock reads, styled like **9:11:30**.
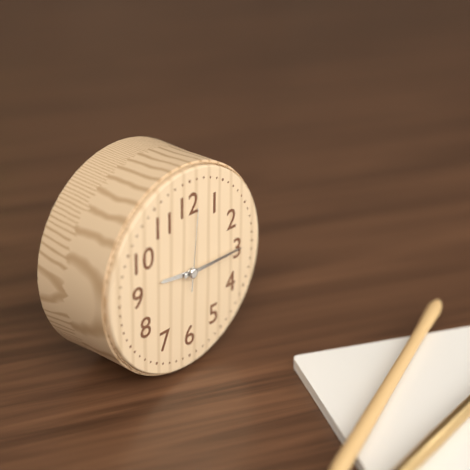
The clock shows **9:15:01**
